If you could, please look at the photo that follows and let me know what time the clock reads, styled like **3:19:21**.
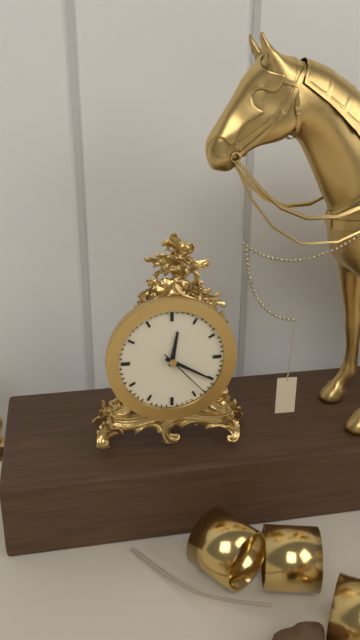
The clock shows **12:20:23**
